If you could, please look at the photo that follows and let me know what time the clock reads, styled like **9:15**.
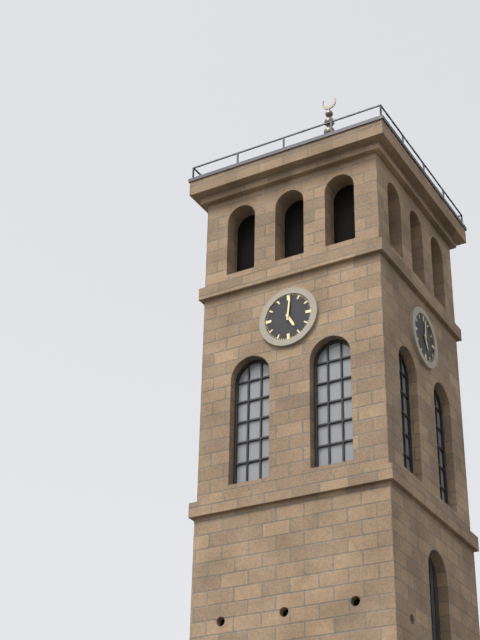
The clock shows **5:01**
